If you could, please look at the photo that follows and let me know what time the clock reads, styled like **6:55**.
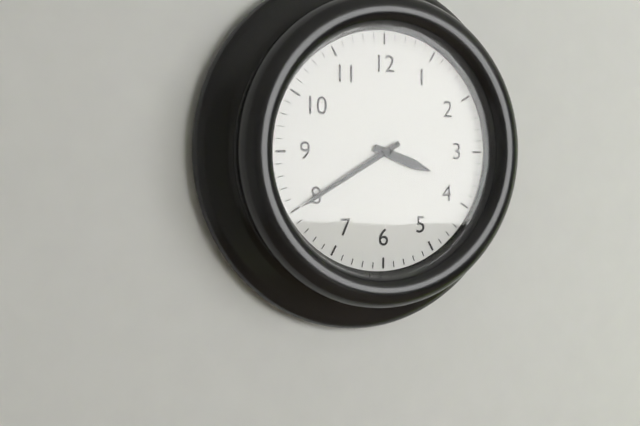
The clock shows **3:40**
